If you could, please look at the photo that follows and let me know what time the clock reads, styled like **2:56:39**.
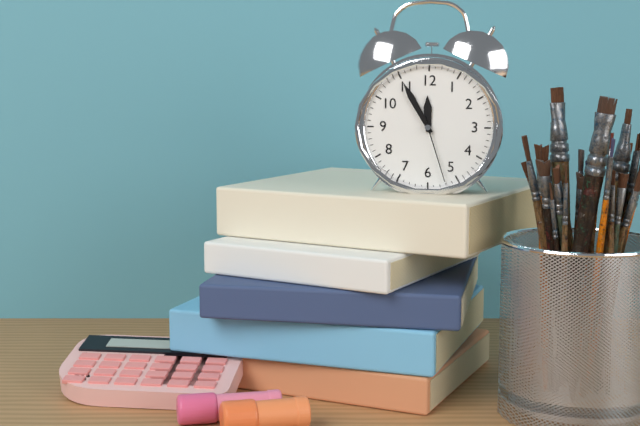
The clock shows **11:55:27**
